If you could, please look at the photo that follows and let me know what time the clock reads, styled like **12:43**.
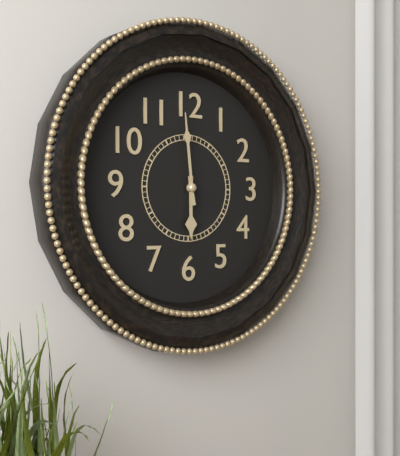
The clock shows **5:59**
